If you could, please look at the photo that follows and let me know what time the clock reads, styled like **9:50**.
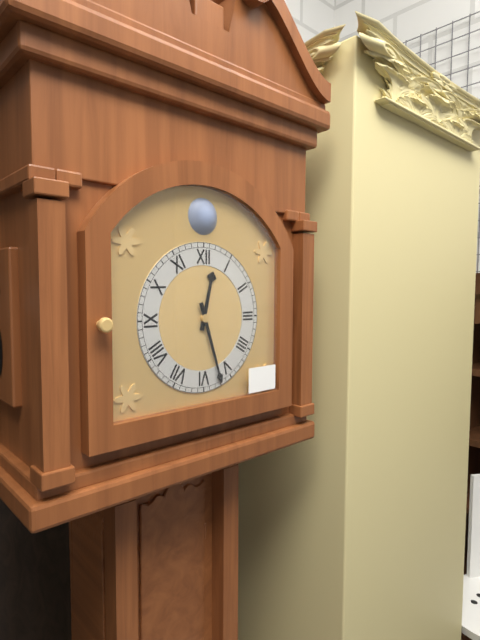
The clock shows **12:27**
